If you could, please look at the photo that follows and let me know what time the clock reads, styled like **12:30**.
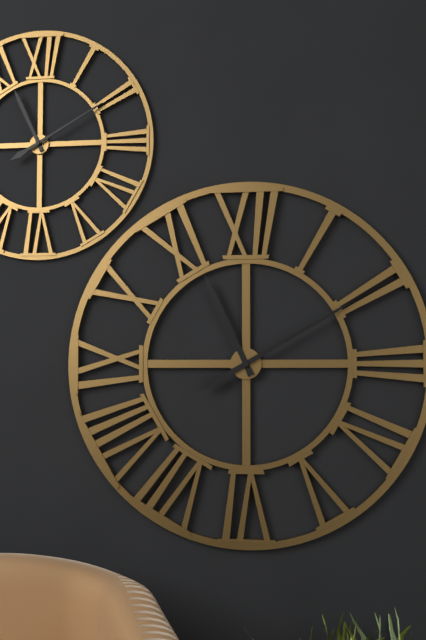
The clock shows **11:10**
